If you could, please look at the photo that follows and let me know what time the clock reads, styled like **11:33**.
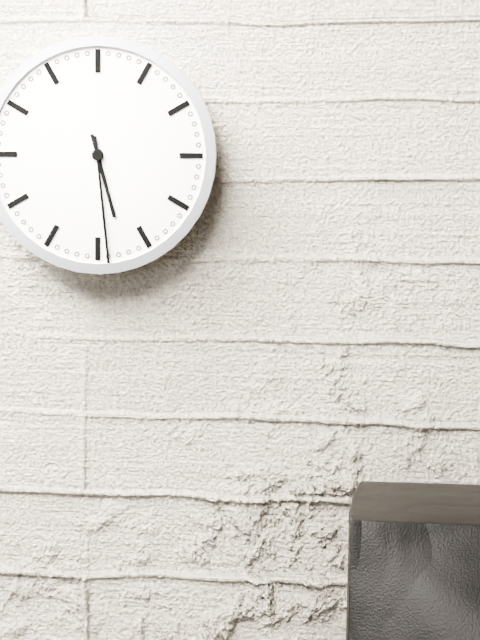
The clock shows **5:29**
